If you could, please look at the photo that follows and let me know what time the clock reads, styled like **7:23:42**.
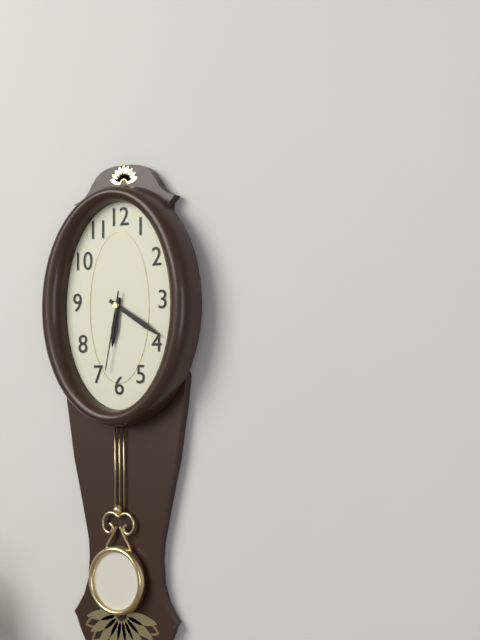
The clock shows **6:20:32**
